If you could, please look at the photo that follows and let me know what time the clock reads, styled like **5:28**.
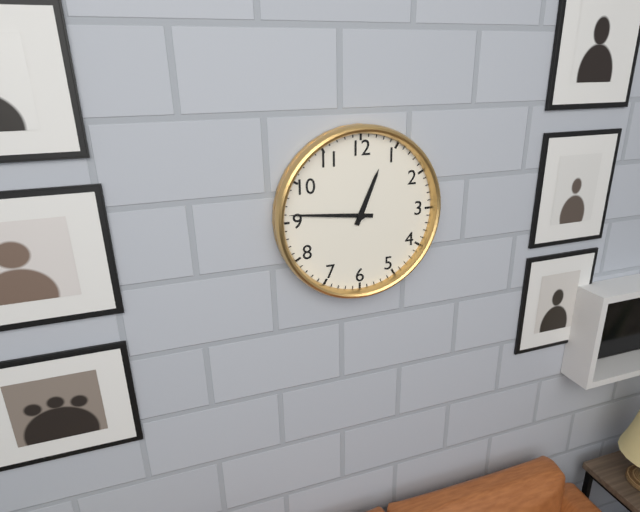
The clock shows **12:46**
